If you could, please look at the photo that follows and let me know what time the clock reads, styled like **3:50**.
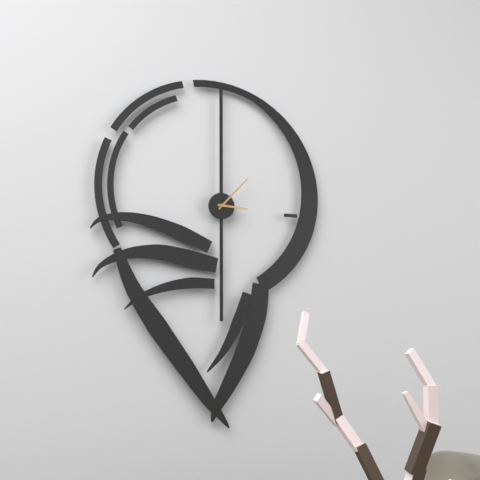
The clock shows **3:07**
